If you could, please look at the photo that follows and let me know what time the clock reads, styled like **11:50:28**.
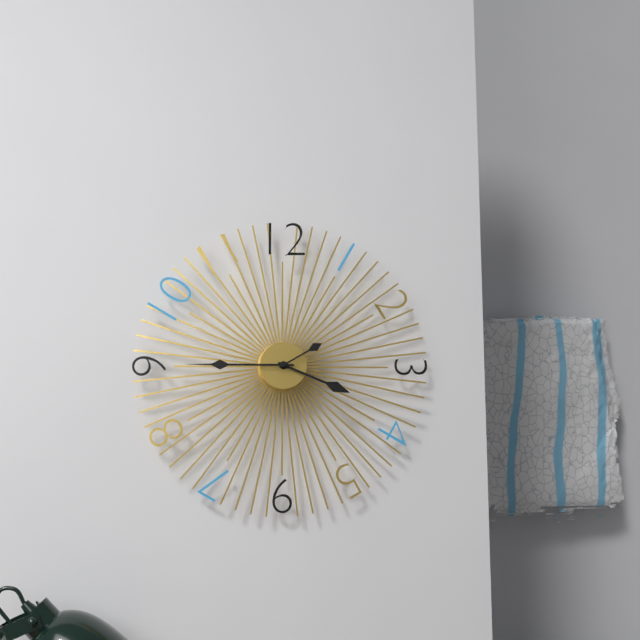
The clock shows **3:45:10**
